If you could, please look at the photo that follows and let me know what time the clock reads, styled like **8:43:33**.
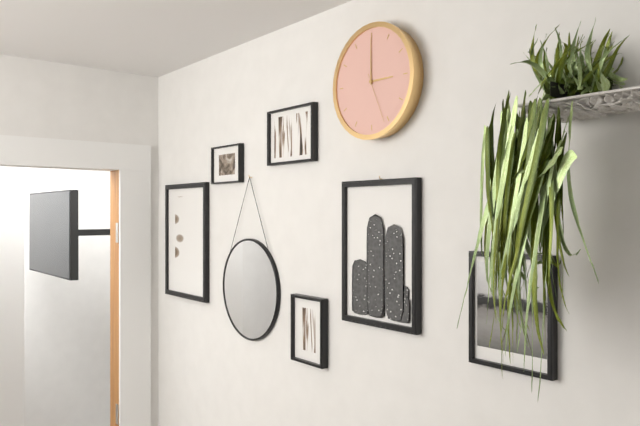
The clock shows **3:00:26**
